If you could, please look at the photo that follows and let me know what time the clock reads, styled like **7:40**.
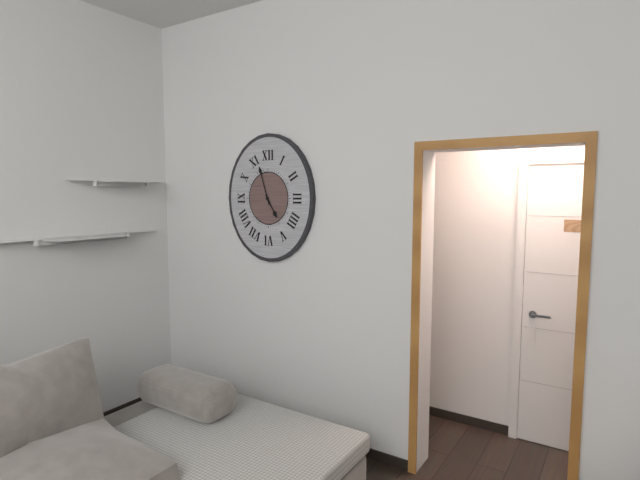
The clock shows **4:57**
